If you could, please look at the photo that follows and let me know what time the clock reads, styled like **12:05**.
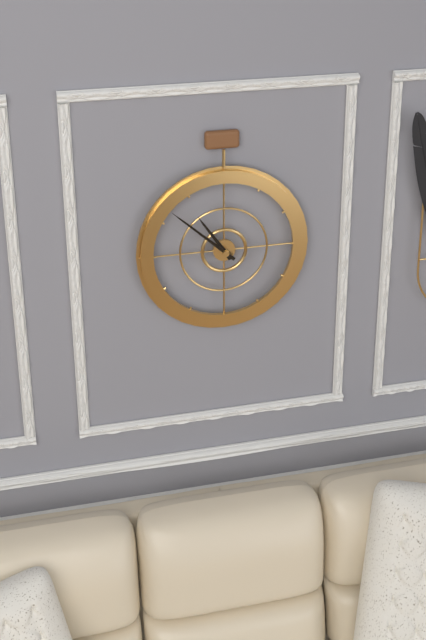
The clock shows **10:52**
